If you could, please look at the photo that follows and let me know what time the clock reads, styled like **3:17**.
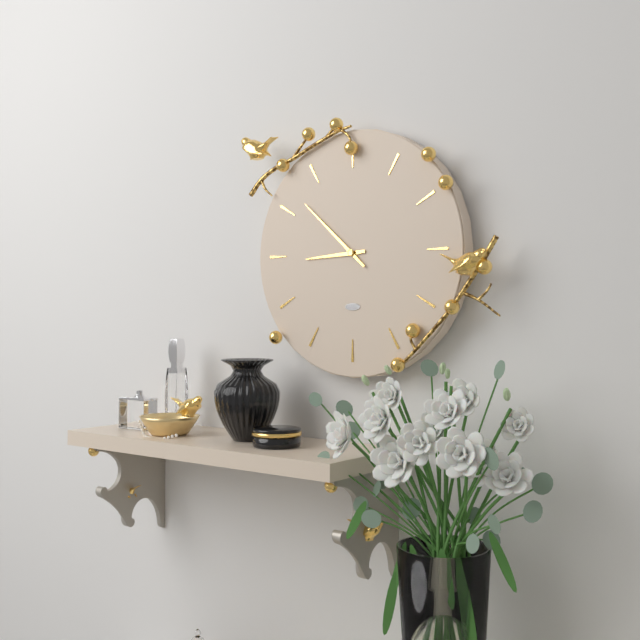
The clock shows **8:52**
